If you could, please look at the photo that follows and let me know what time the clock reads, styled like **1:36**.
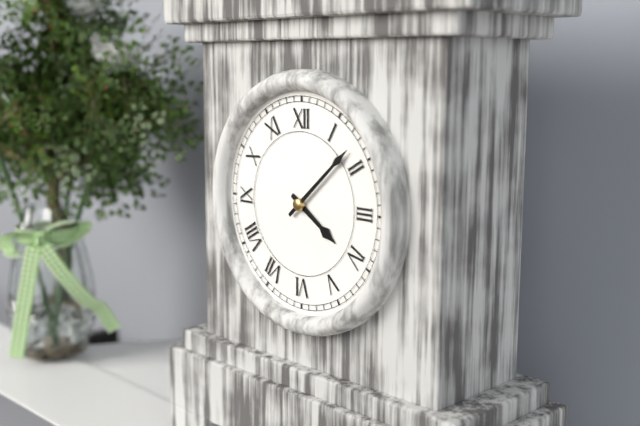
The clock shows **4:08**
